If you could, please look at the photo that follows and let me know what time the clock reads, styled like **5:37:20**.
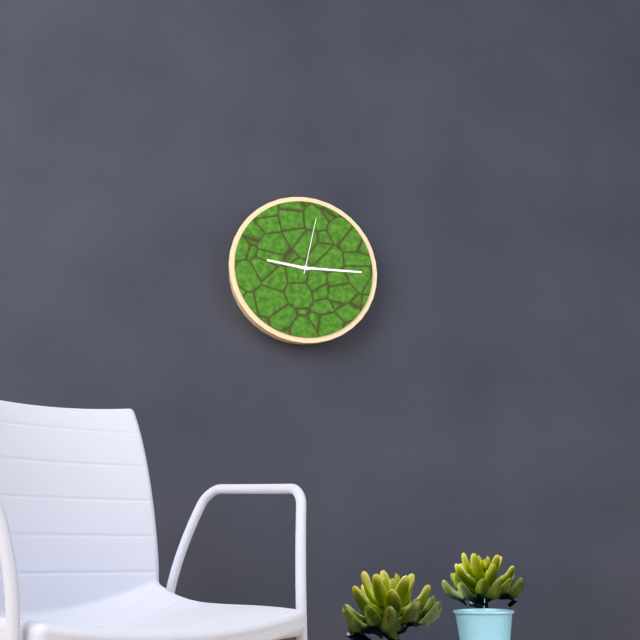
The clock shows **9:15:02**
